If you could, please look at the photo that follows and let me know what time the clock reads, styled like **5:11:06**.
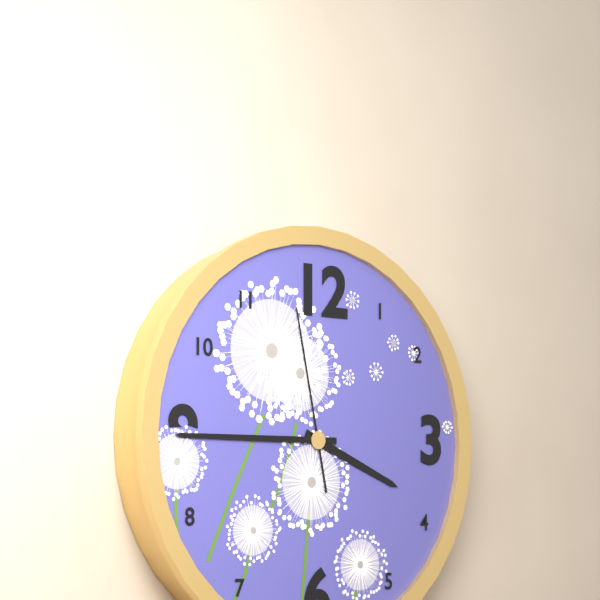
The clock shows **3:45:58**
